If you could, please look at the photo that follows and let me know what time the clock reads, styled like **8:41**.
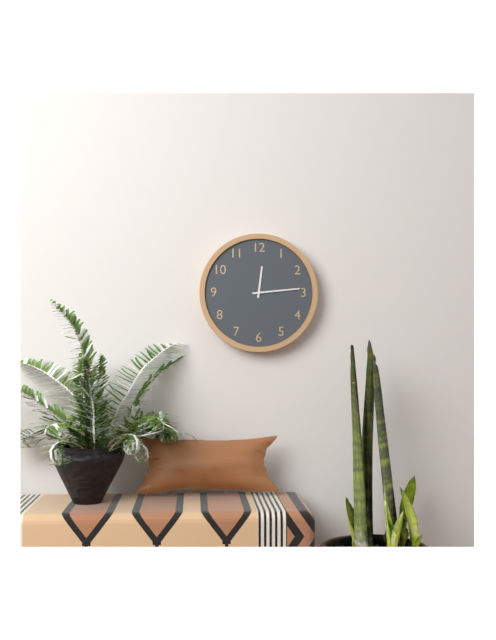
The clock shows **12:14**
